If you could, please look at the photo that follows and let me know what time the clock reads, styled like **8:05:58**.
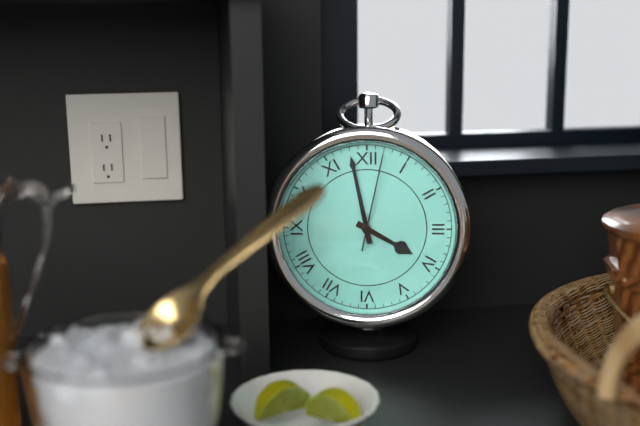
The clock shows **3:58:02**
